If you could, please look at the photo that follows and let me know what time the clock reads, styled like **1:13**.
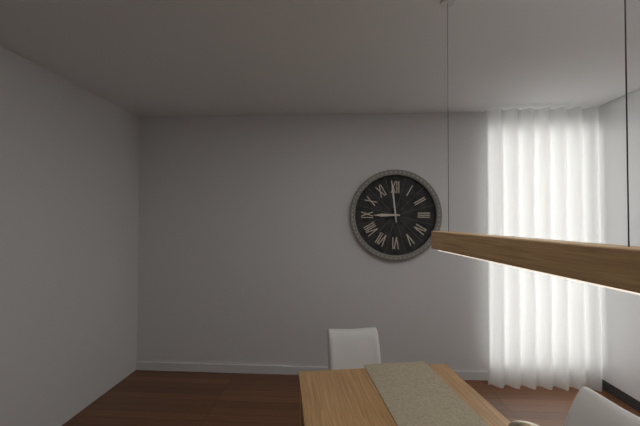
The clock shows **8:59**
